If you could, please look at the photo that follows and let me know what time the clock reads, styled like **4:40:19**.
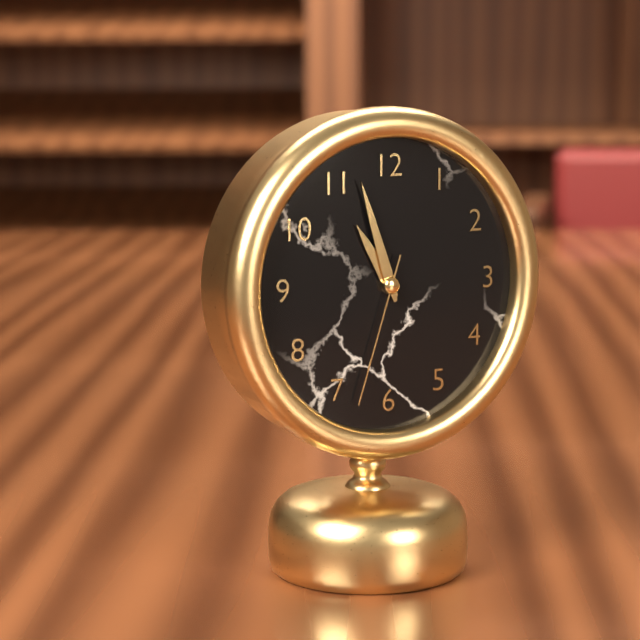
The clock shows **10:57:33**
